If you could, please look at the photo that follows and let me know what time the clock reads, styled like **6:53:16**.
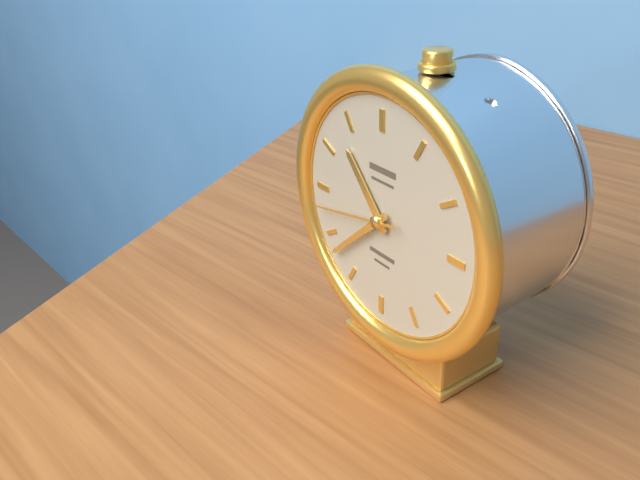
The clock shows **10:38:43**
